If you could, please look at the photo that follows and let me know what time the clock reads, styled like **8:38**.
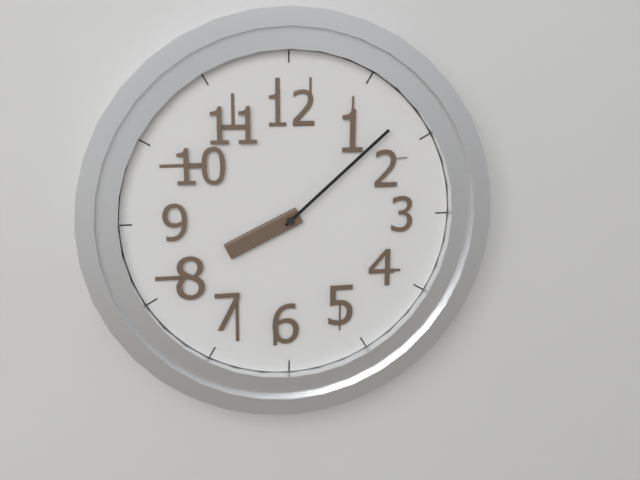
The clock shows **8:08**
